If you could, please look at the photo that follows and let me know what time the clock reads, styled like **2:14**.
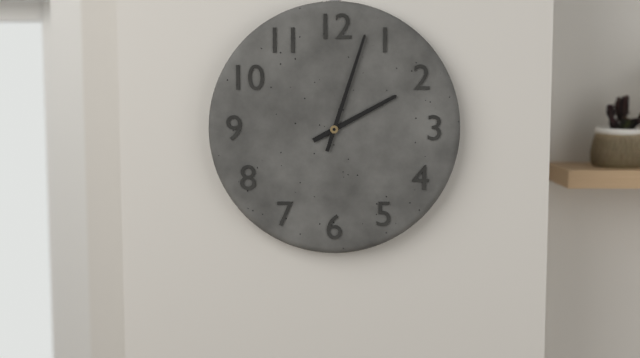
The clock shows **2:03**
